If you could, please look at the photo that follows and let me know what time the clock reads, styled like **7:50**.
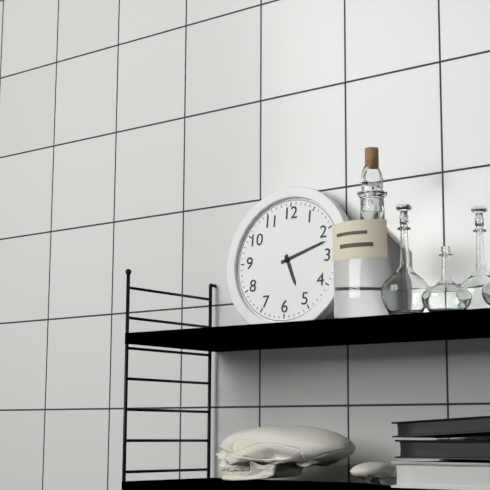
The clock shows **5:12**
